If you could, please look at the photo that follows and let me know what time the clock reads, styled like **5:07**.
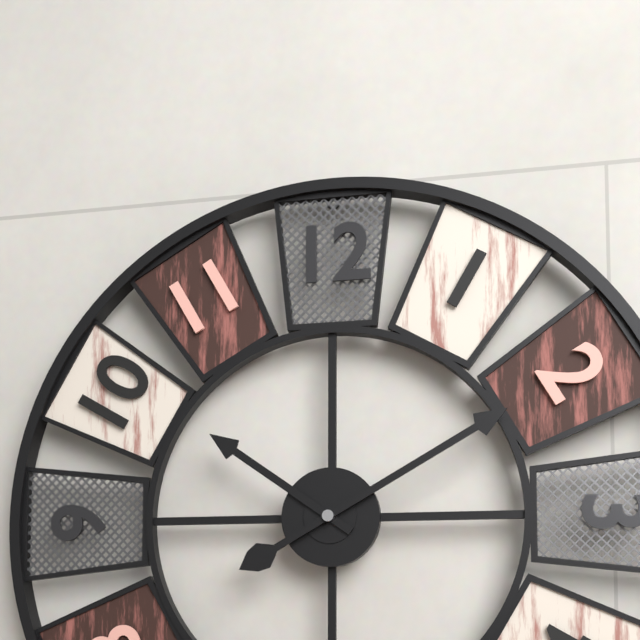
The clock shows **10:10**
